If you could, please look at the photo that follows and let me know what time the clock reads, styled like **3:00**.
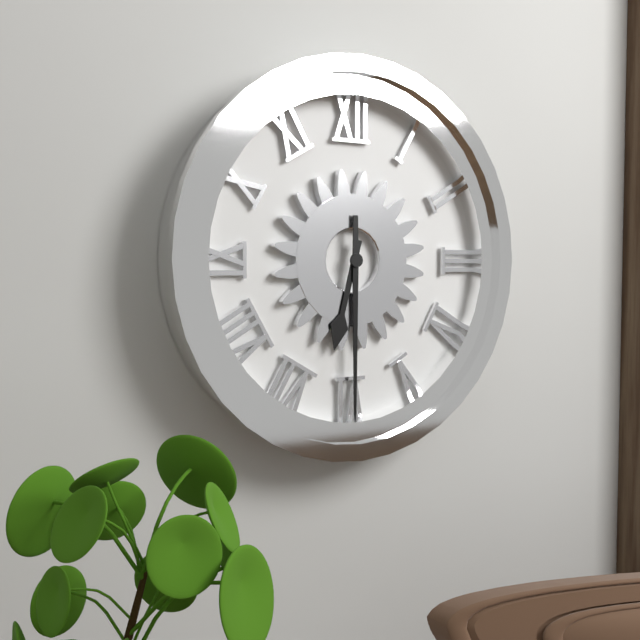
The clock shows **6:30**
